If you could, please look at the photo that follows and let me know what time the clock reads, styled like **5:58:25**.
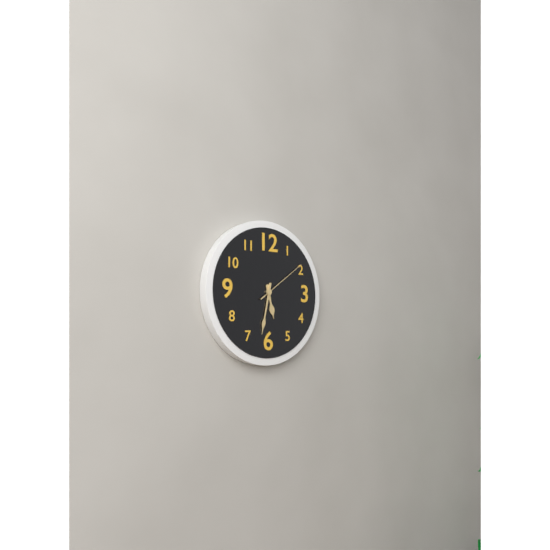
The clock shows **5:32:09**
